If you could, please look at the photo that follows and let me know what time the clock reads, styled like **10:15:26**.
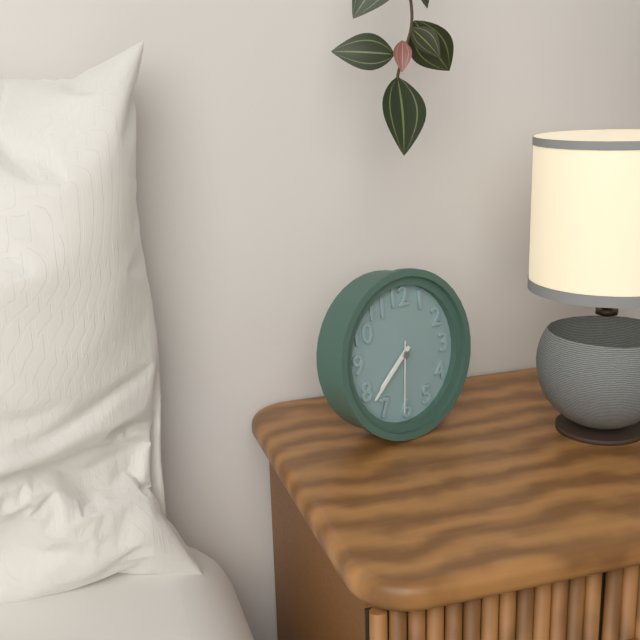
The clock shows **7:38:31**
